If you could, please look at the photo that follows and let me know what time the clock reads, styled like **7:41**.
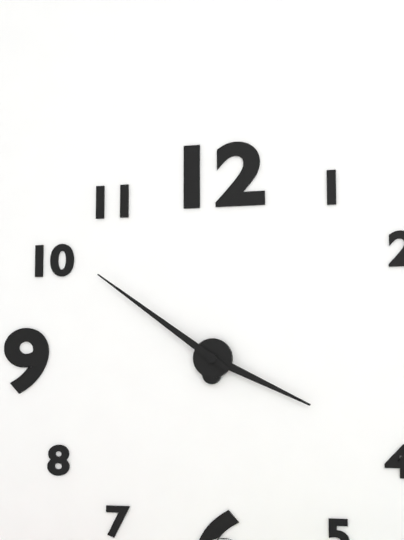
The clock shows **3:51**
